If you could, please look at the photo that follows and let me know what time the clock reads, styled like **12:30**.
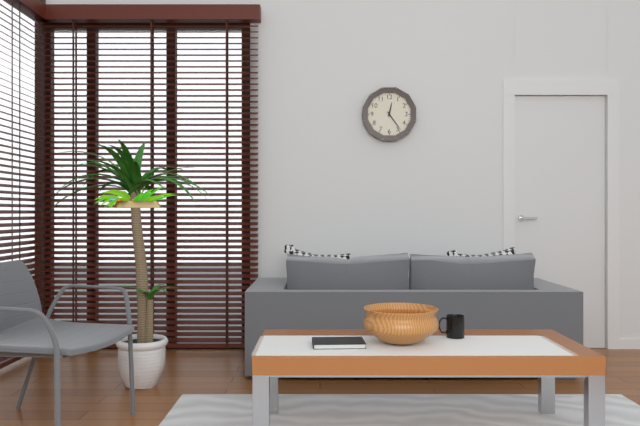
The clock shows **12:24**
